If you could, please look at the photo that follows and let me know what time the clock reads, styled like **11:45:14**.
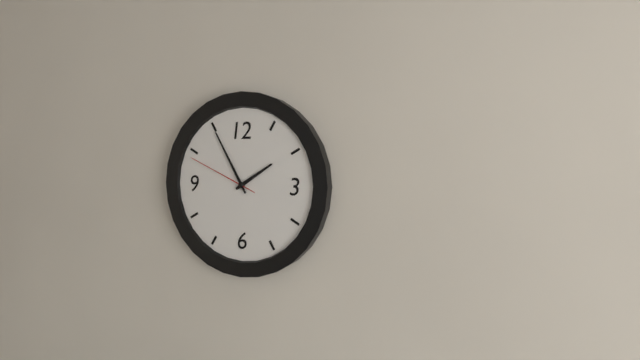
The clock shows **1:55:49**
